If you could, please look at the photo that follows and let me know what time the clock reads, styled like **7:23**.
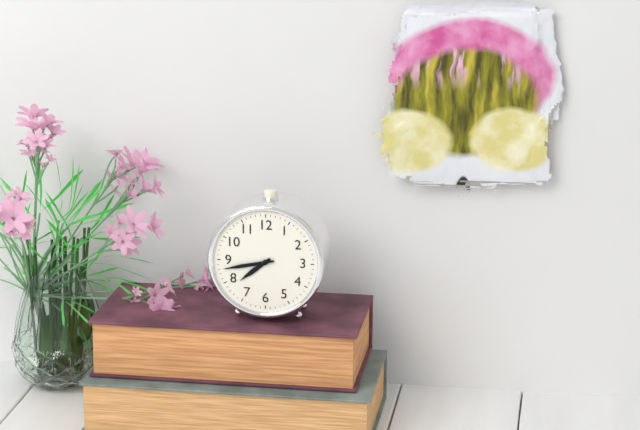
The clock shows **7:43**
